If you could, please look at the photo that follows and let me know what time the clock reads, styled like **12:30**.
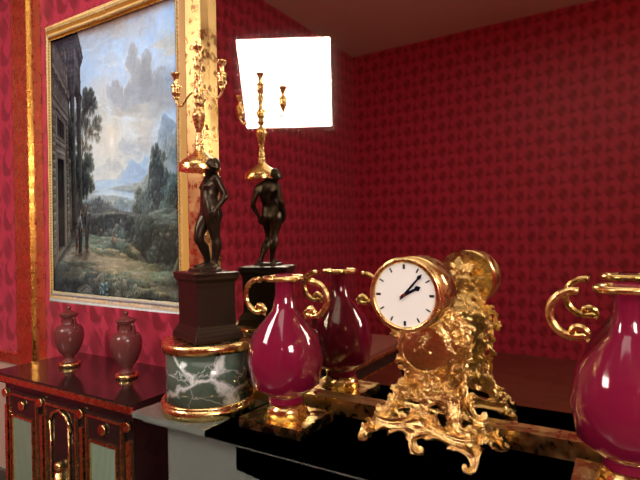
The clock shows **2:07**
